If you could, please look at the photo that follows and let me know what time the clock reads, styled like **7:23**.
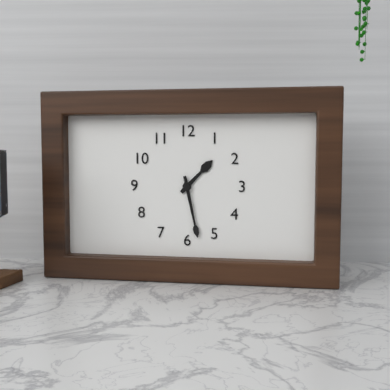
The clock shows **1:28**
